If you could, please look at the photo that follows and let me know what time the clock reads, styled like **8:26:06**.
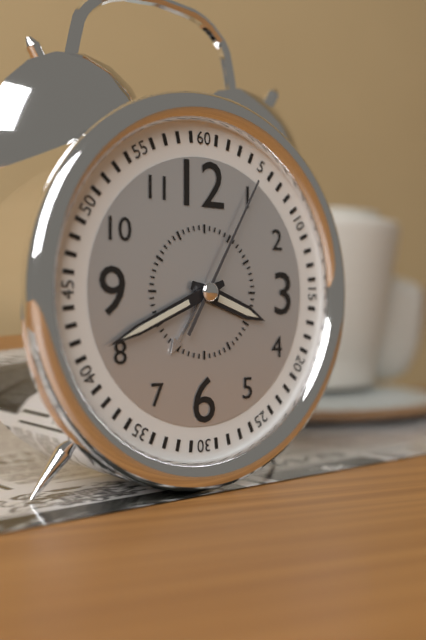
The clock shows **3:41:05**
